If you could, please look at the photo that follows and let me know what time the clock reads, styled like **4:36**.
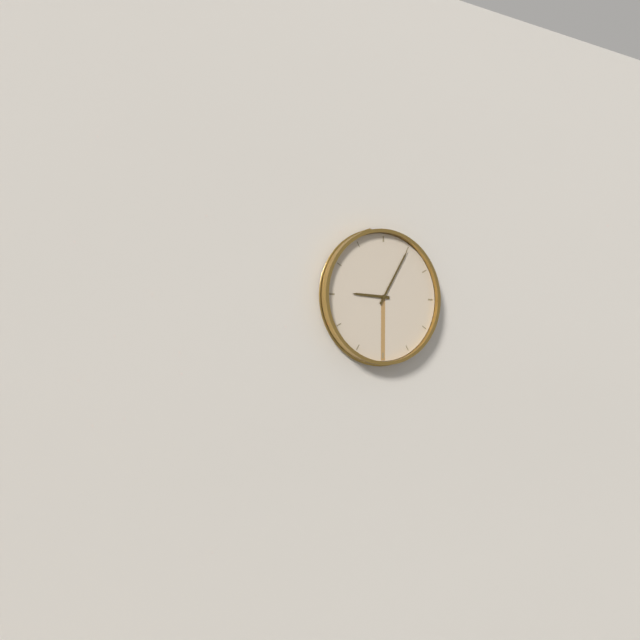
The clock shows **9:05**
